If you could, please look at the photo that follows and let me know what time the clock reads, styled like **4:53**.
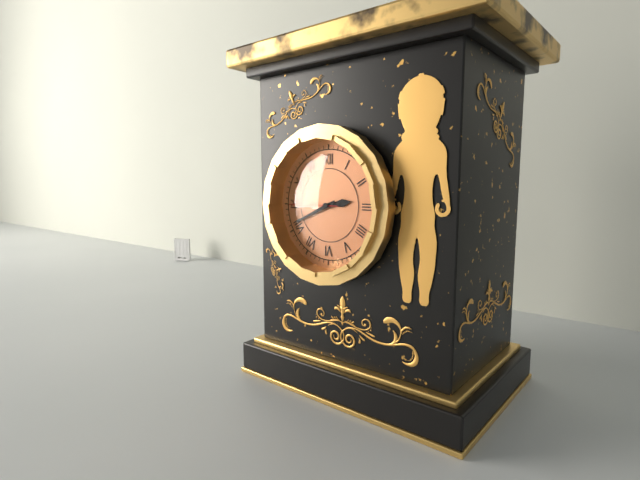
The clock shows **2:41**
